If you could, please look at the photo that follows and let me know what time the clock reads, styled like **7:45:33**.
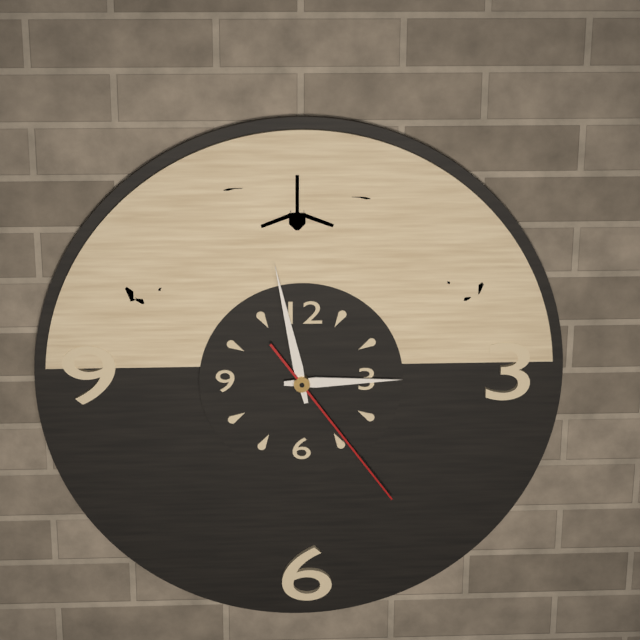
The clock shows **2:58:24**
